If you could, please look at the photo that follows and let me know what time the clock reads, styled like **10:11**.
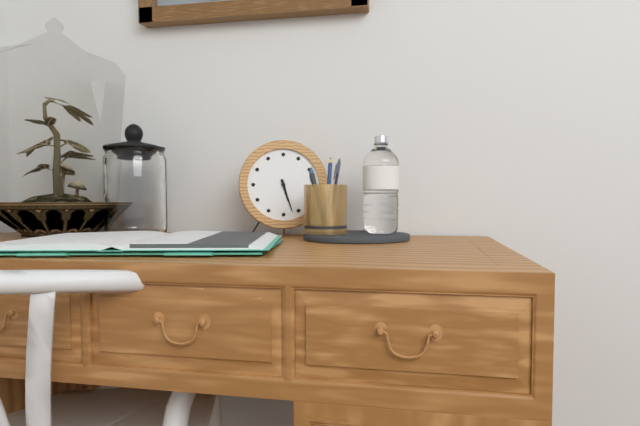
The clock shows **5:27**
